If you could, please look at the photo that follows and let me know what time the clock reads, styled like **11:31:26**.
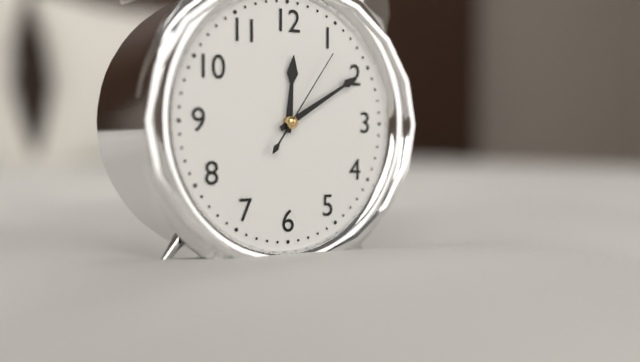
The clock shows **12:10:06**
